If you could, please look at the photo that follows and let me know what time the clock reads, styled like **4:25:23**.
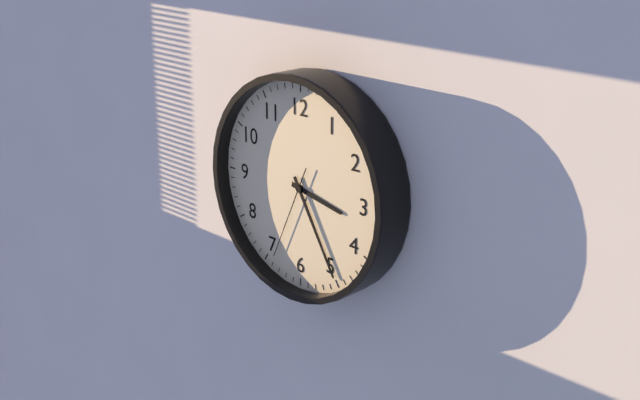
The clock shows **3:25:34**
